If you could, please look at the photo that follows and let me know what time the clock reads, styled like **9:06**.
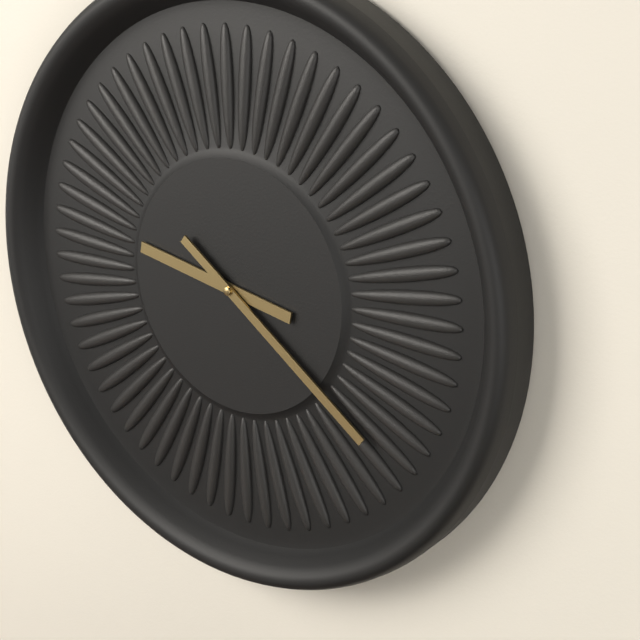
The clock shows **9:21**
